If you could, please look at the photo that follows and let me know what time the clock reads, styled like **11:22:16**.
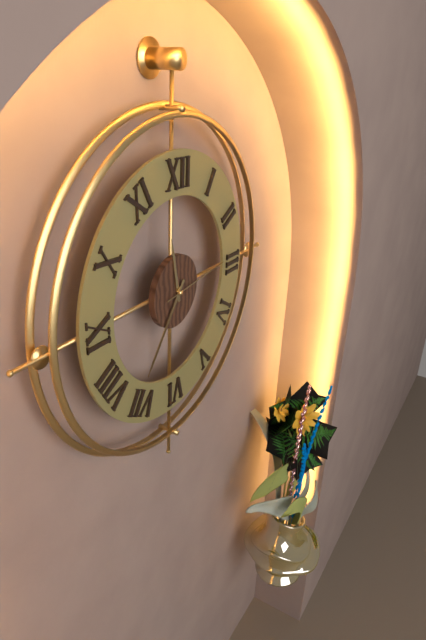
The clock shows **11:36:14**
